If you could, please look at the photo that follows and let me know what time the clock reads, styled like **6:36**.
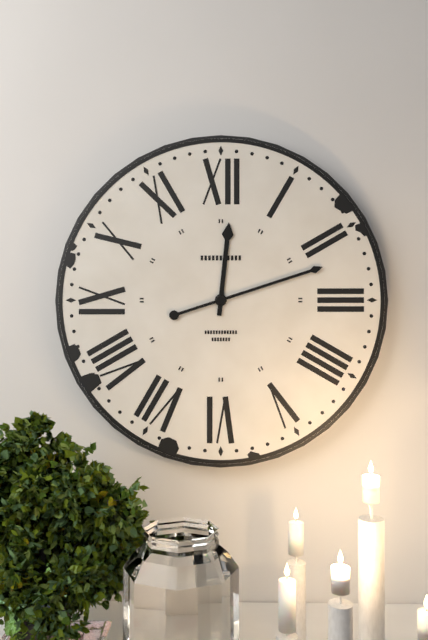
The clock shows **12:12**
